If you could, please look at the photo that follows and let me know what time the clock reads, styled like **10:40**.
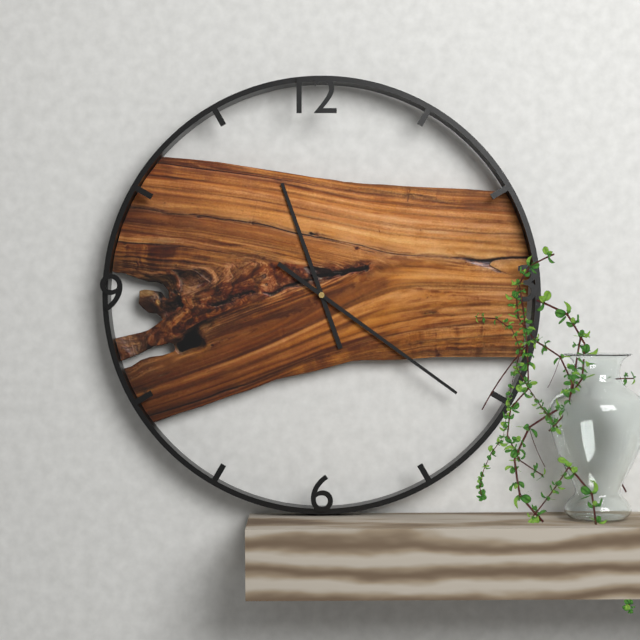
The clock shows **11:21**
